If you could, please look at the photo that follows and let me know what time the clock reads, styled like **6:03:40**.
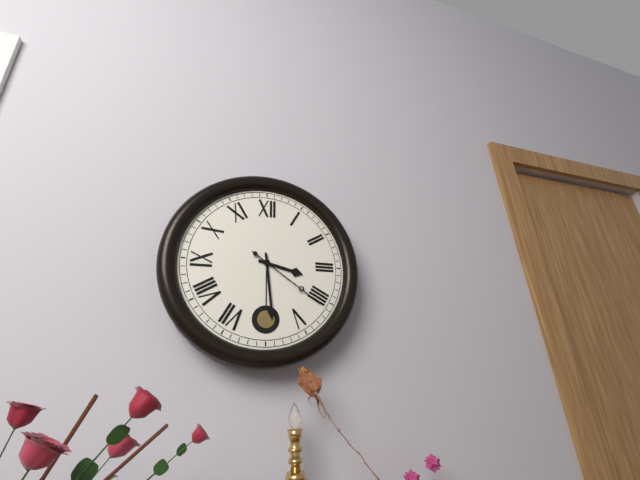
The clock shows **3:29:21**
